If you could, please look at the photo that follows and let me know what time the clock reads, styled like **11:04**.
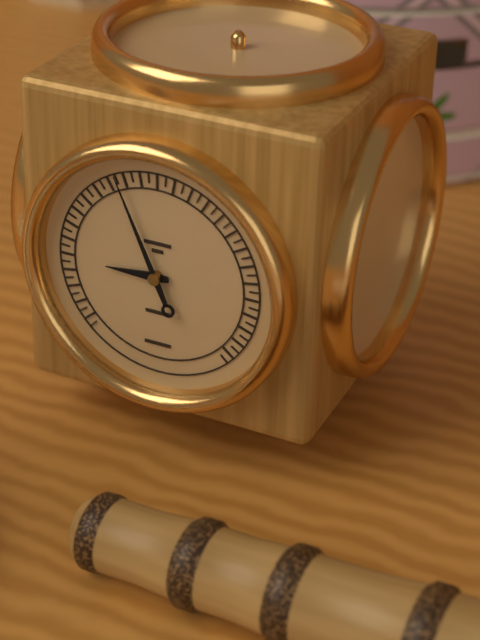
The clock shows **8:56**
